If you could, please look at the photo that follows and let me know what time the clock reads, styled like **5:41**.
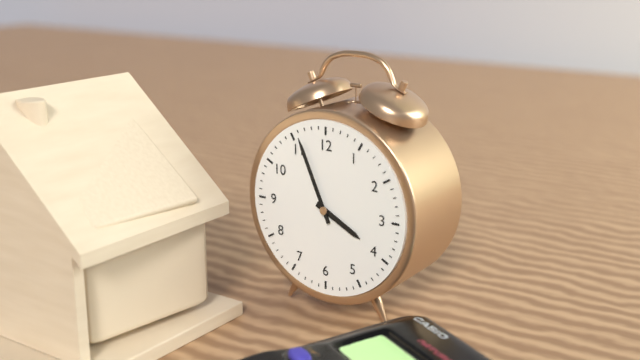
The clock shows **3:56**
